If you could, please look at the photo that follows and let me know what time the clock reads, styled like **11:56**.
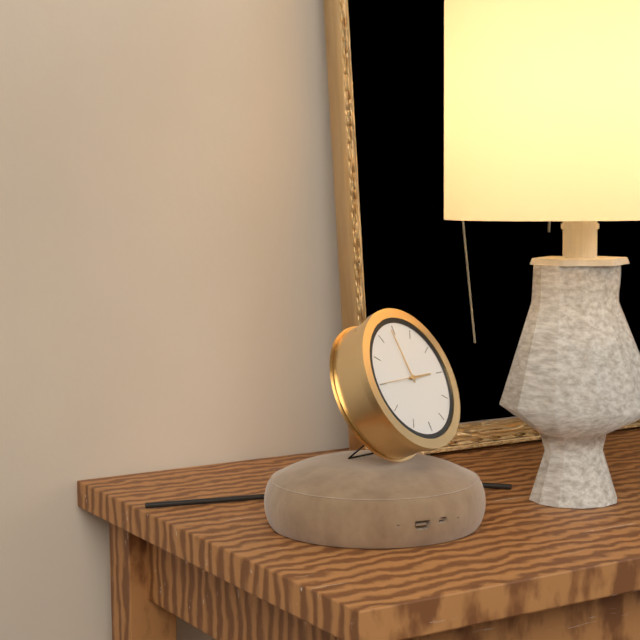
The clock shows **2:59**
